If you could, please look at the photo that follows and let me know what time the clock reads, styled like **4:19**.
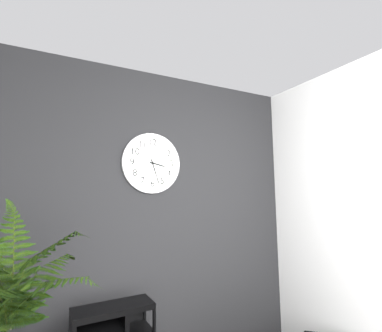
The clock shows **3:27**
